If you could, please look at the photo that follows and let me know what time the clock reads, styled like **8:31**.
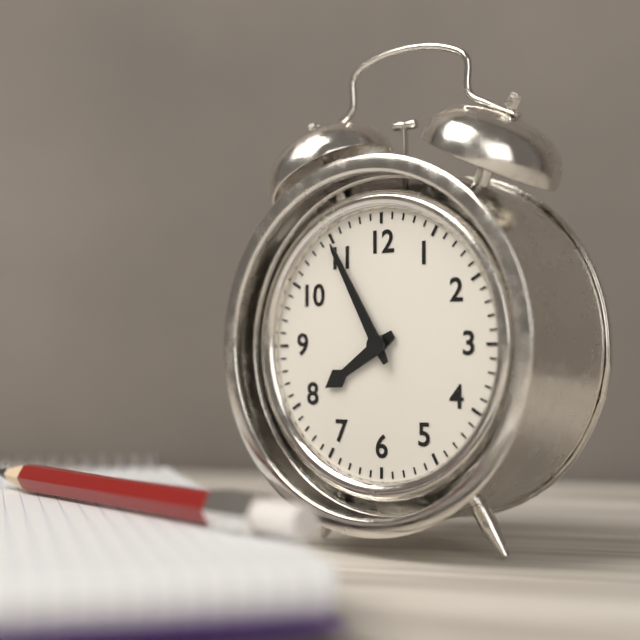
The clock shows **7:55**
